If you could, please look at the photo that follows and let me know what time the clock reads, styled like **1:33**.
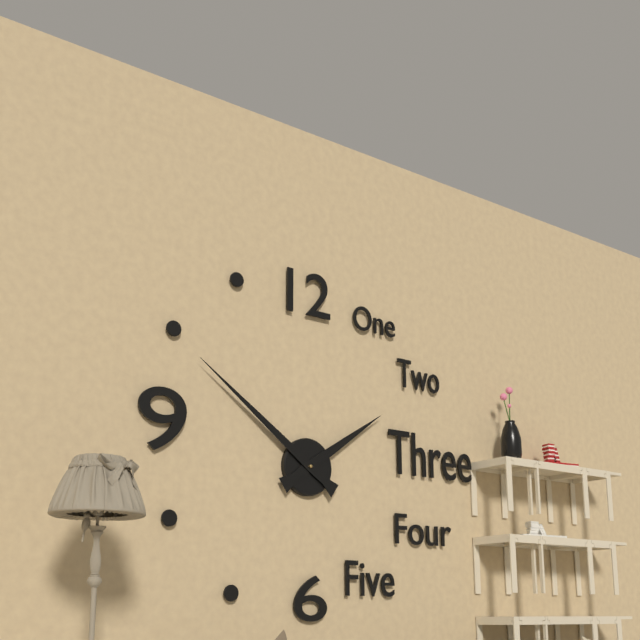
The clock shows **1:51**
